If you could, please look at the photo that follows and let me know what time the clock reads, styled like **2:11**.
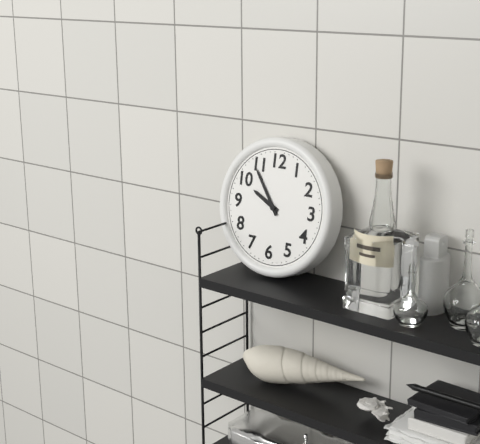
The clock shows **9:54**
